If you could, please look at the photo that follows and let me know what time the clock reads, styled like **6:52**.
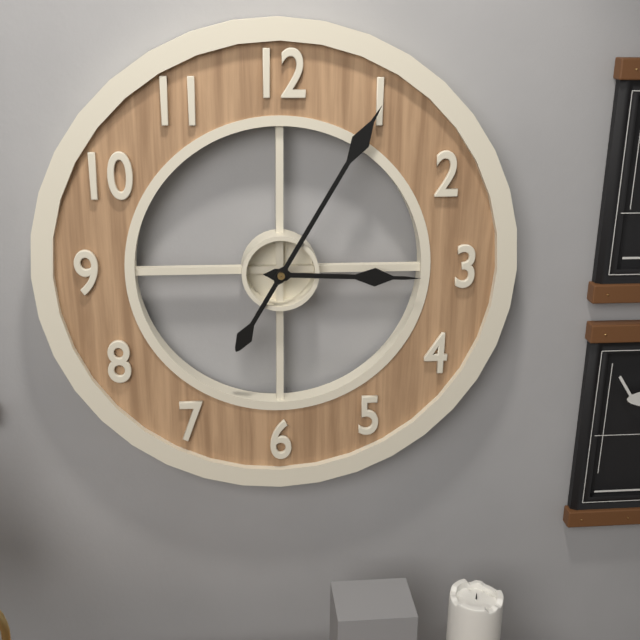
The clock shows **3:05**
